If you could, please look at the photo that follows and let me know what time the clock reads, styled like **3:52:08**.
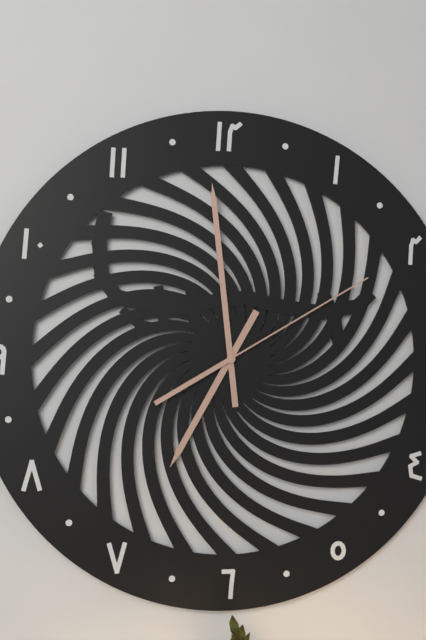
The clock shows **6:59:10**
